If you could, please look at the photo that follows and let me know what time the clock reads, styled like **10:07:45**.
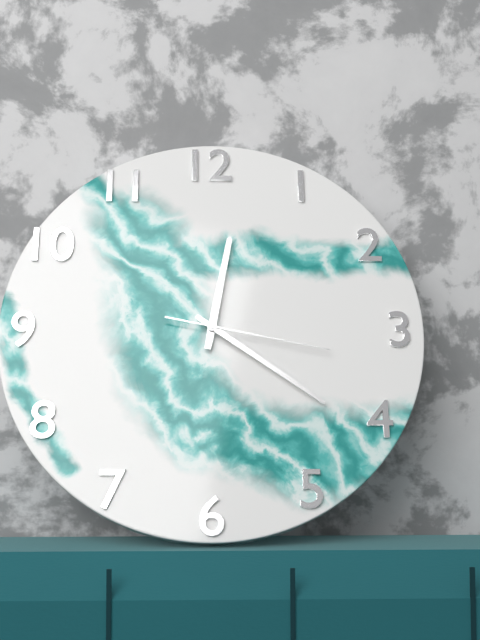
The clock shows **12:21:17**
